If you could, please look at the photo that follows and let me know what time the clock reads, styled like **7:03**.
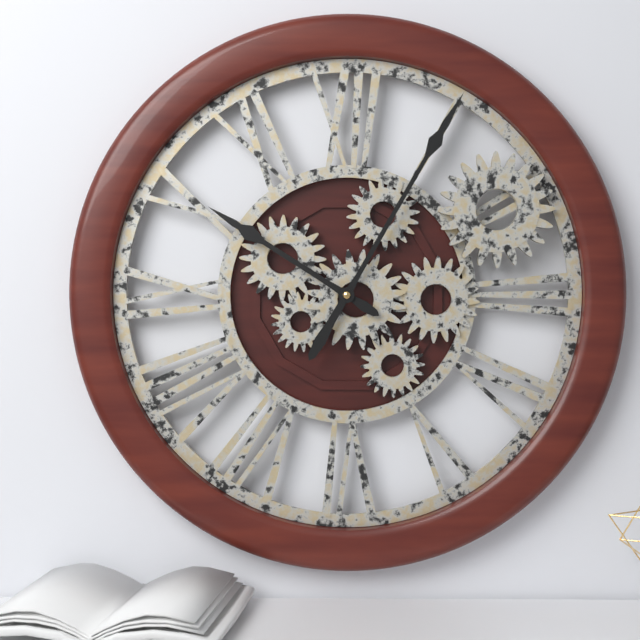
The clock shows **10:05**
